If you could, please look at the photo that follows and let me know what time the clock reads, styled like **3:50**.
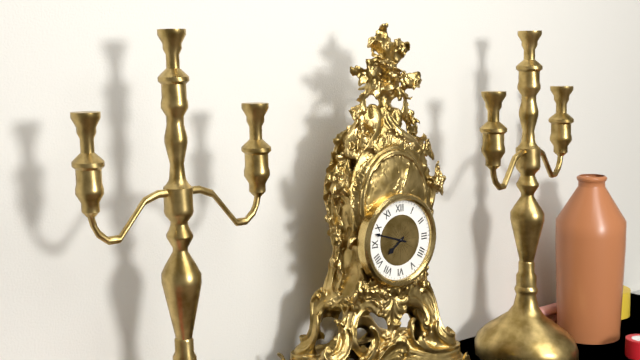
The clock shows **7:48**
